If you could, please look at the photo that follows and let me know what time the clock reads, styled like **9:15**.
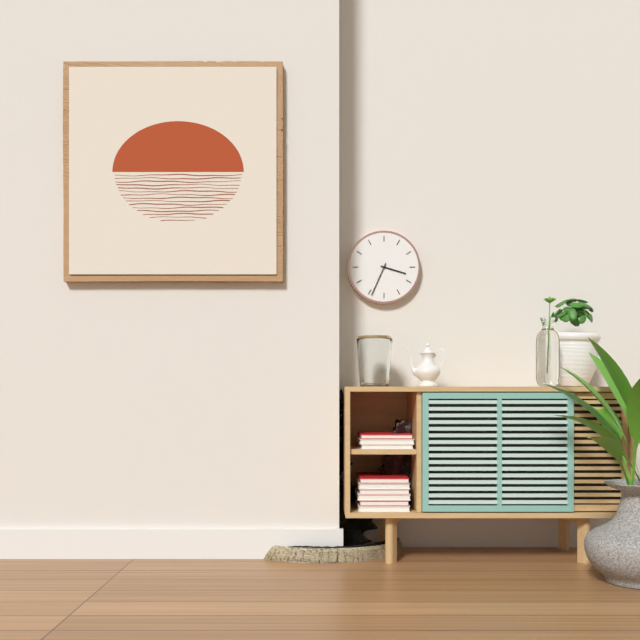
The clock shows **3:34**
